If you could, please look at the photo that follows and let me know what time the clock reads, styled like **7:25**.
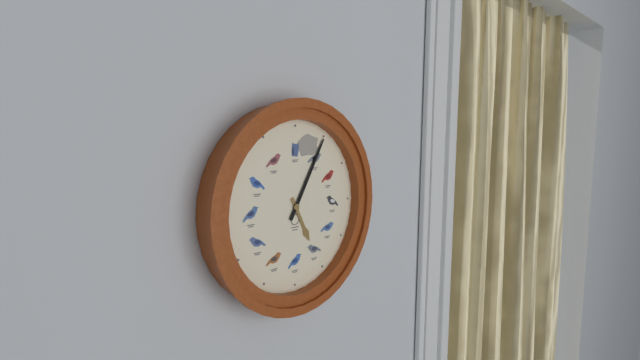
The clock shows **5:05**
